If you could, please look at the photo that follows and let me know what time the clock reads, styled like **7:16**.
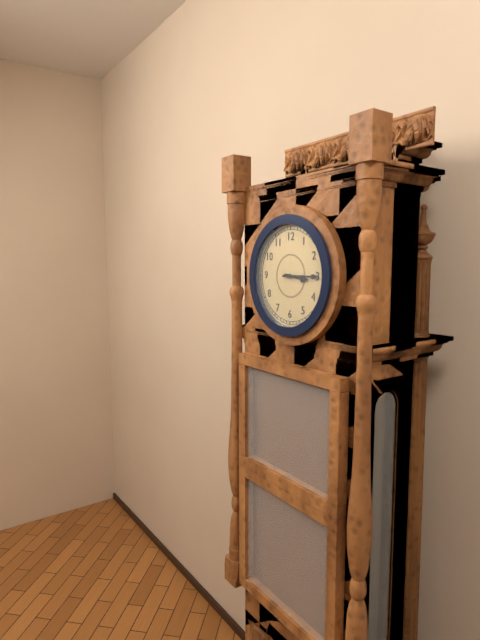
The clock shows **3:15**
